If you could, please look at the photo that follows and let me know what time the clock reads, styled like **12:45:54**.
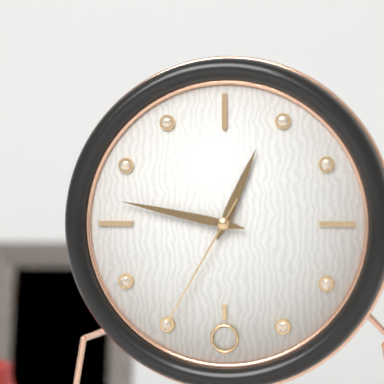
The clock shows **12:47:35**
